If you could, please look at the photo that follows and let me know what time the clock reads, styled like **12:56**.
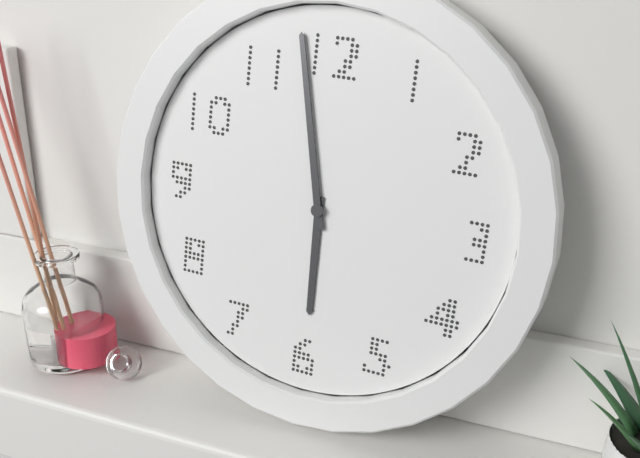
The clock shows **5:58**
